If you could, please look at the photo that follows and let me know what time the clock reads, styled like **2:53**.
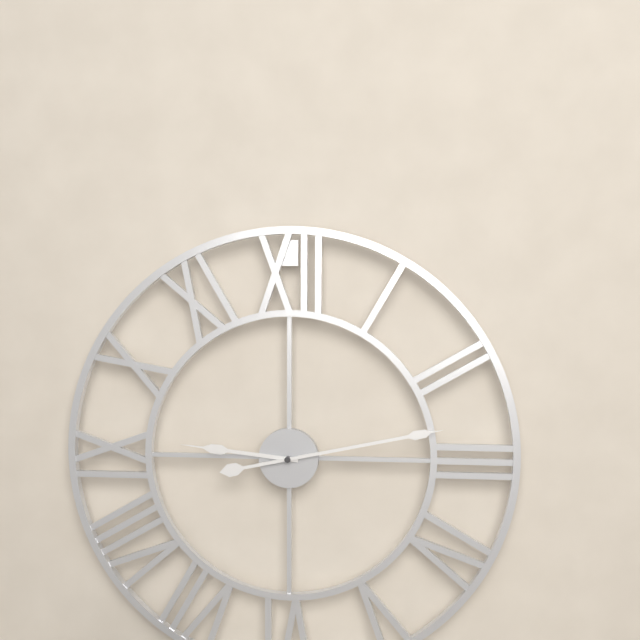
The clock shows **9:13**
